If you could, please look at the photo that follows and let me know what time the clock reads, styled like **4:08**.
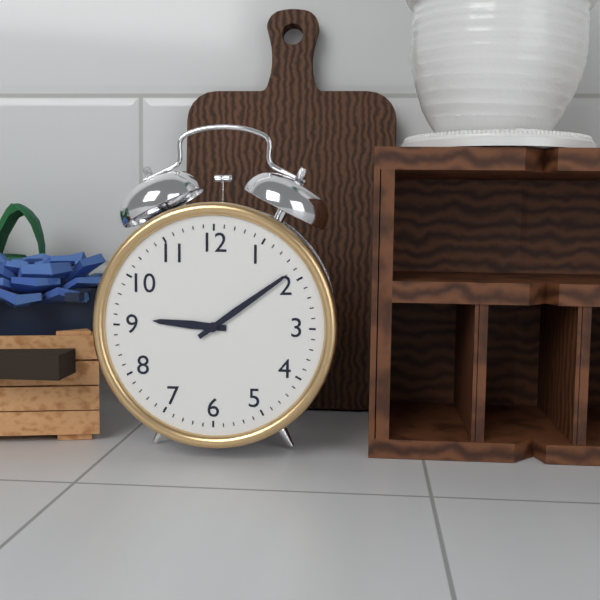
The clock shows **9:09**
